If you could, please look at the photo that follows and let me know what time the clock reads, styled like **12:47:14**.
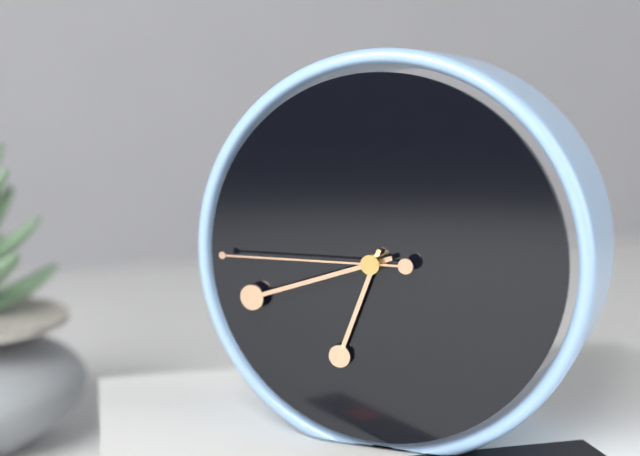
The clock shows **6:42:45**
